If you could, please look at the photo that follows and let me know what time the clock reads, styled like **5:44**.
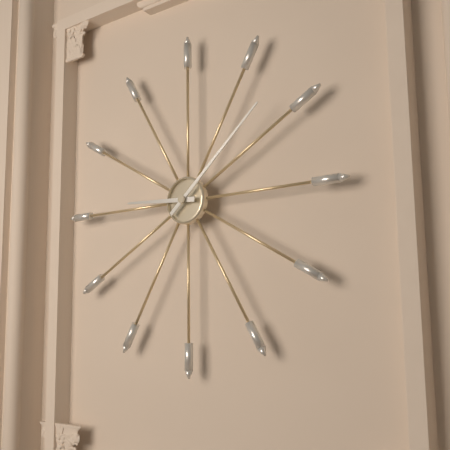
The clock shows **9:08**
